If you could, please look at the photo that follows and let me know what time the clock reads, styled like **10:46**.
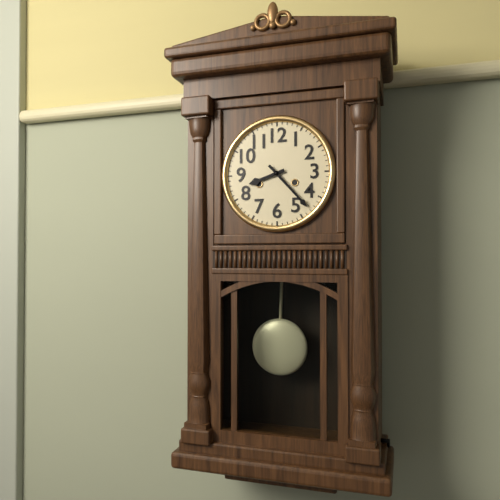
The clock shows **8:23**
